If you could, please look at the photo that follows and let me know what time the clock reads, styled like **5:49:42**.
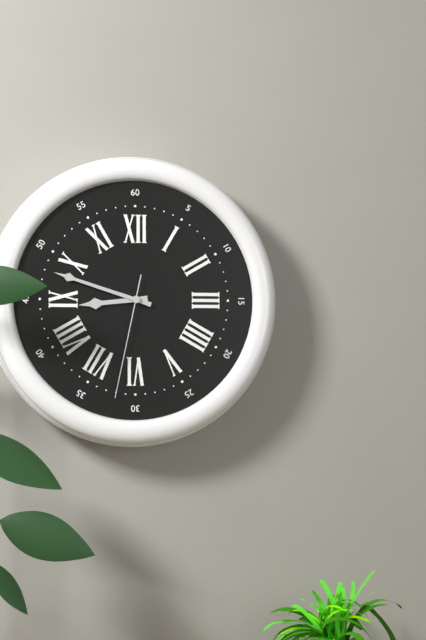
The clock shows **8:48:32**
